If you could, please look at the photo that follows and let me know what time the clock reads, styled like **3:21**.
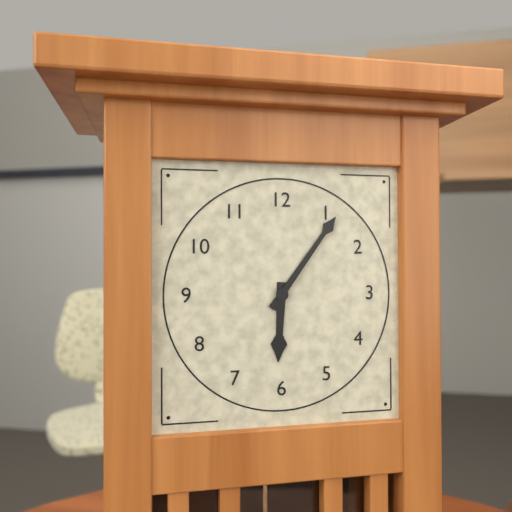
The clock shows **6:06**
